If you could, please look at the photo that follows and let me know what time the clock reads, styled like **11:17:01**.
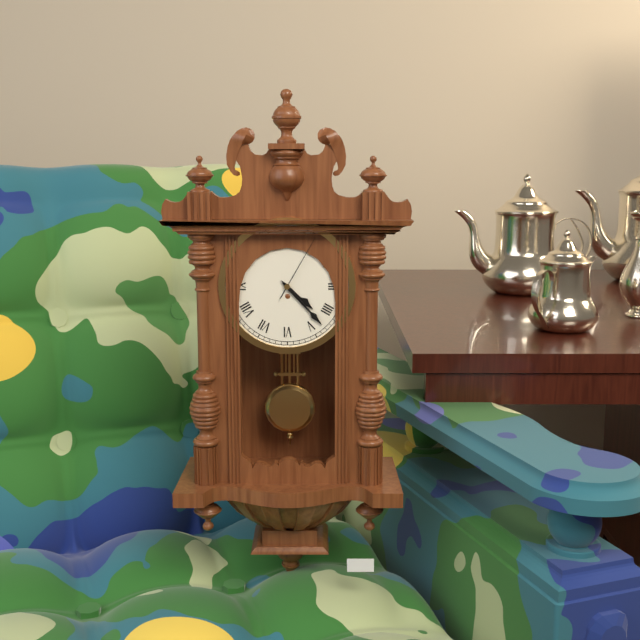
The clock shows **4:23:05**
